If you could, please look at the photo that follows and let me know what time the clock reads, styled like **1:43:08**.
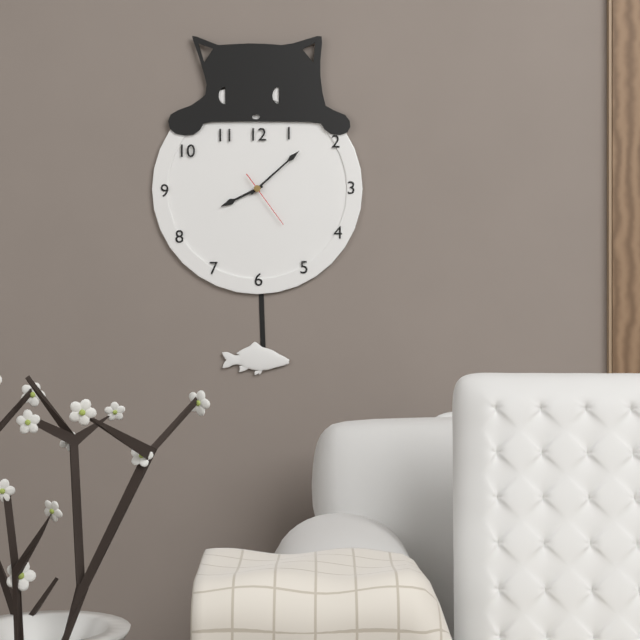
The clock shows **8:08:24**
